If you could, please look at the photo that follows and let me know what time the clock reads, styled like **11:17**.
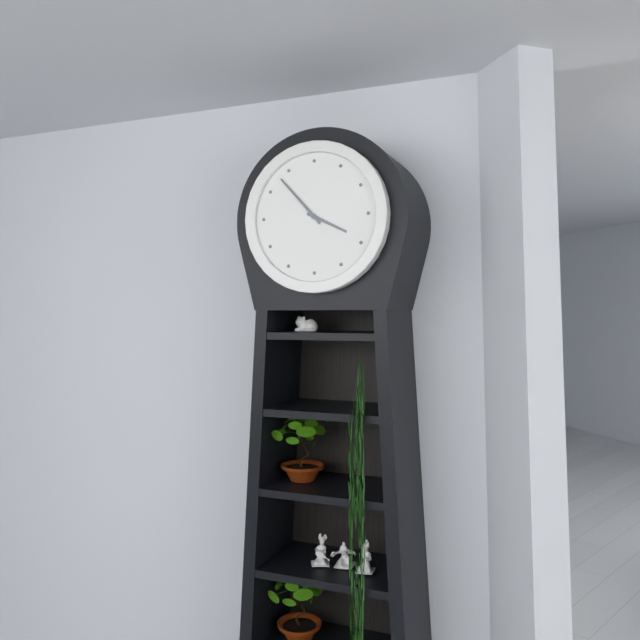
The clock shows **3:53**
